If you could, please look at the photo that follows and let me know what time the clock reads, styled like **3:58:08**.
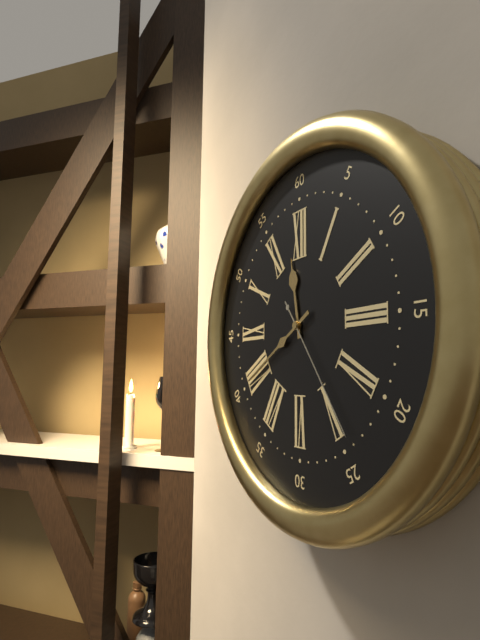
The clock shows **11:40:24**
